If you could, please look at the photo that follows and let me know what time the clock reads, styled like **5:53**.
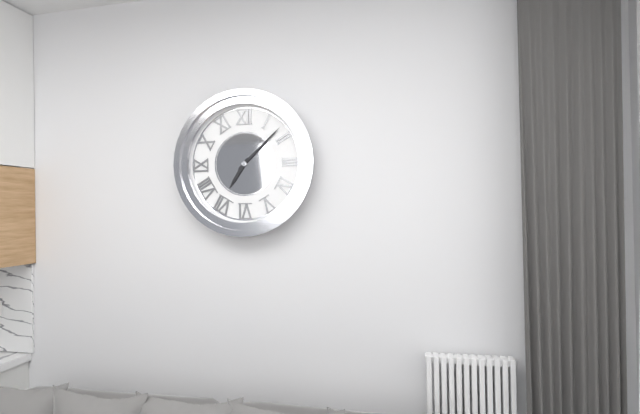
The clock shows **7:08**
